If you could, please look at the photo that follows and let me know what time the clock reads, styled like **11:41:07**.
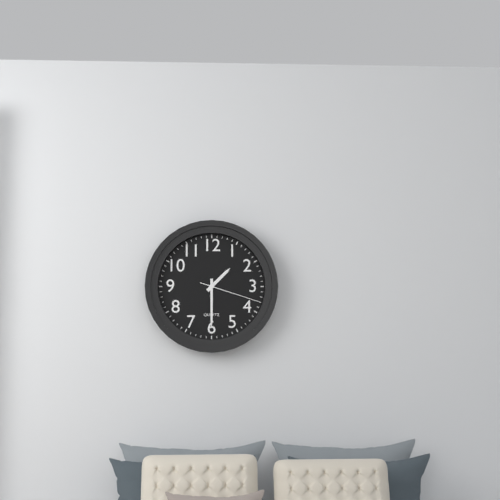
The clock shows **1:30:18**
